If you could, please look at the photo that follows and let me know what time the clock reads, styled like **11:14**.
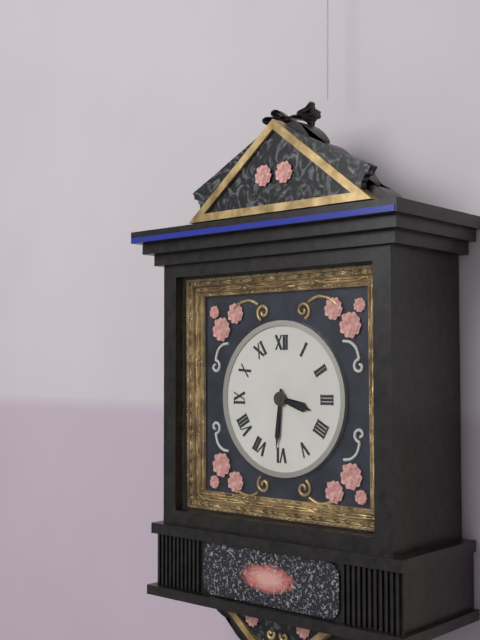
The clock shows **3:31**
